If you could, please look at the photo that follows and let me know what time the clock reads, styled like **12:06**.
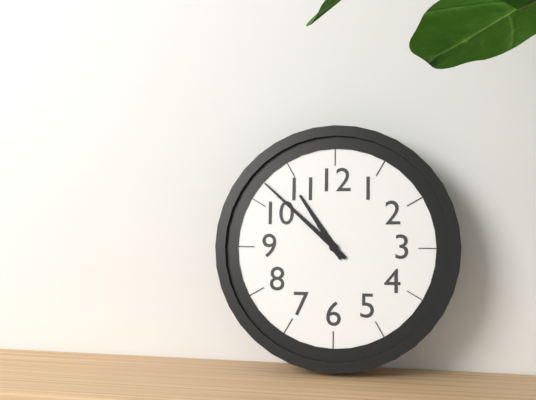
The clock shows **10:52**
